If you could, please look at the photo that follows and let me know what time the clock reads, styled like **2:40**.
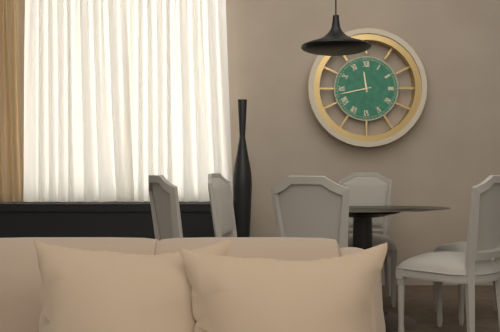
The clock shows **11:43**
